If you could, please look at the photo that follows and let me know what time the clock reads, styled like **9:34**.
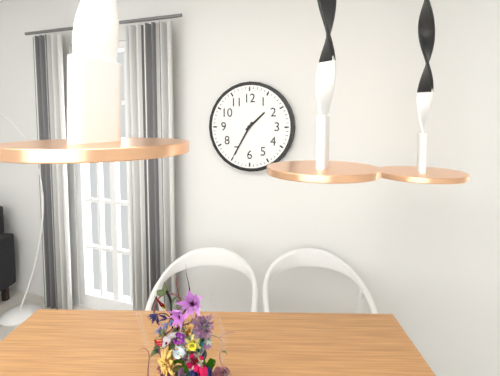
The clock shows **1:35**
